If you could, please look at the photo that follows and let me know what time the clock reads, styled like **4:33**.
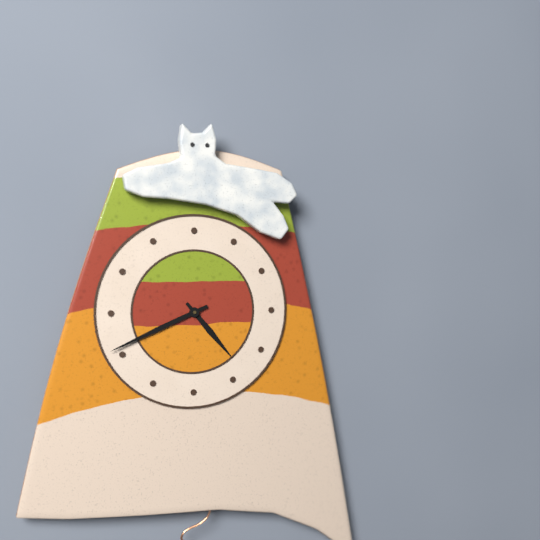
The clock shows **4:41**
